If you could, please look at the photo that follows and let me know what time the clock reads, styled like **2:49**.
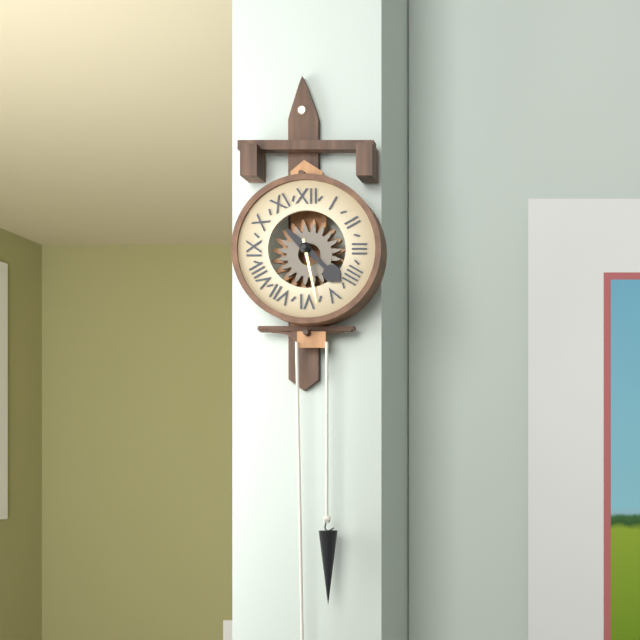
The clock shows **4:28**
